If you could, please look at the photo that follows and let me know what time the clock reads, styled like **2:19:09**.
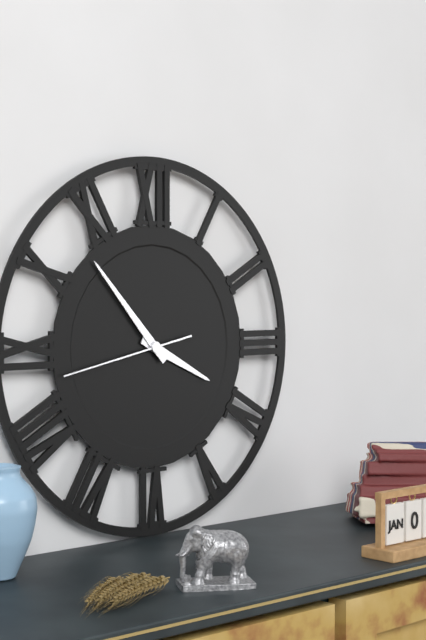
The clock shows **3:53:43**
